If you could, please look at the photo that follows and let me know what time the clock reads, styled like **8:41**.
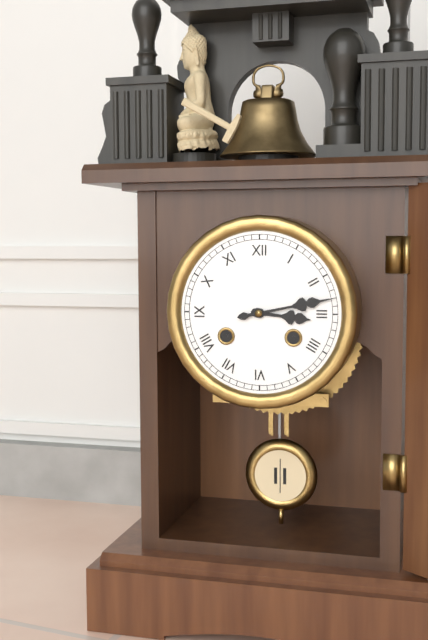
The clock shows **3:13**
